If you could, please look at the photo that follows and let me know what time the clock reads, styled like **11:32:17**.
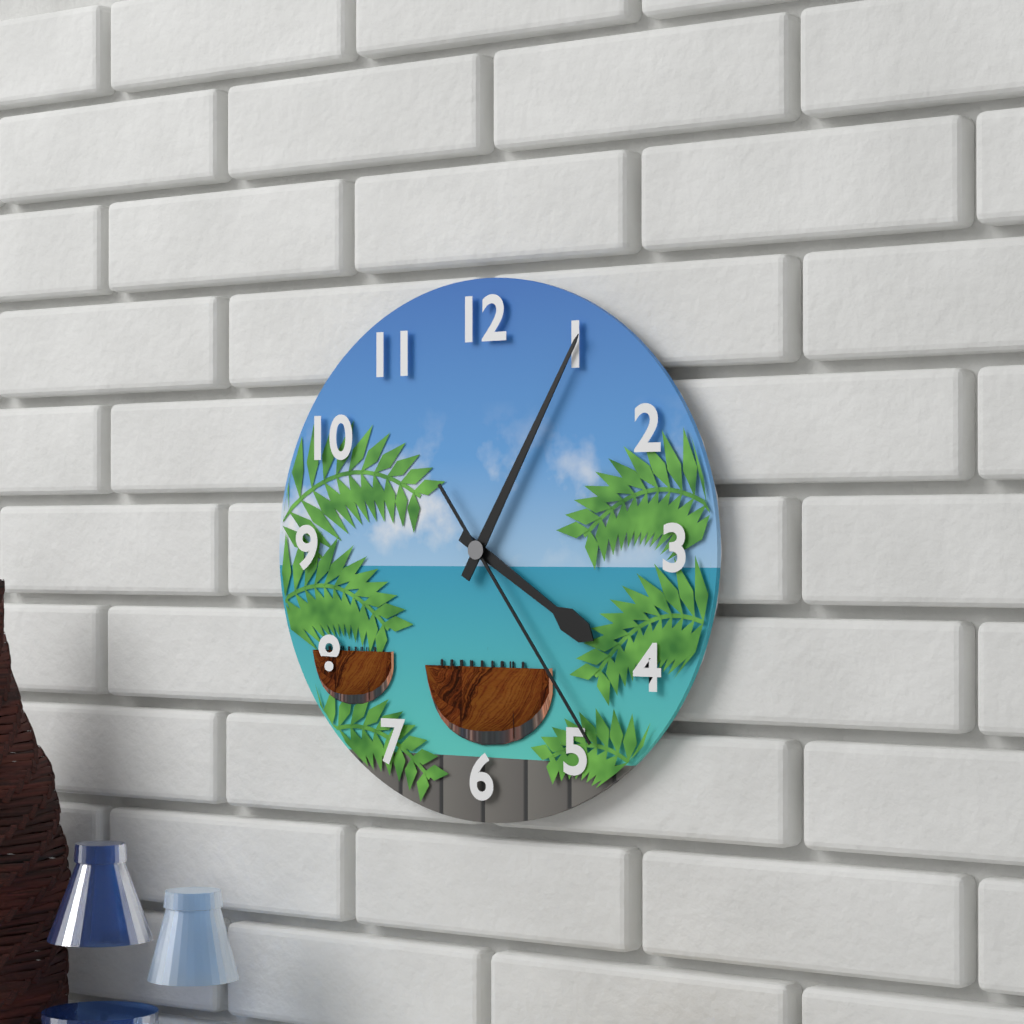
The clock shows **4:05:24**
